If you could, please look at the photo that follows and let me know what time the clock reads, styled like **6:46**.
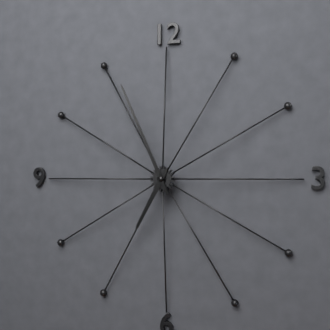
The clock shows **6:56**
